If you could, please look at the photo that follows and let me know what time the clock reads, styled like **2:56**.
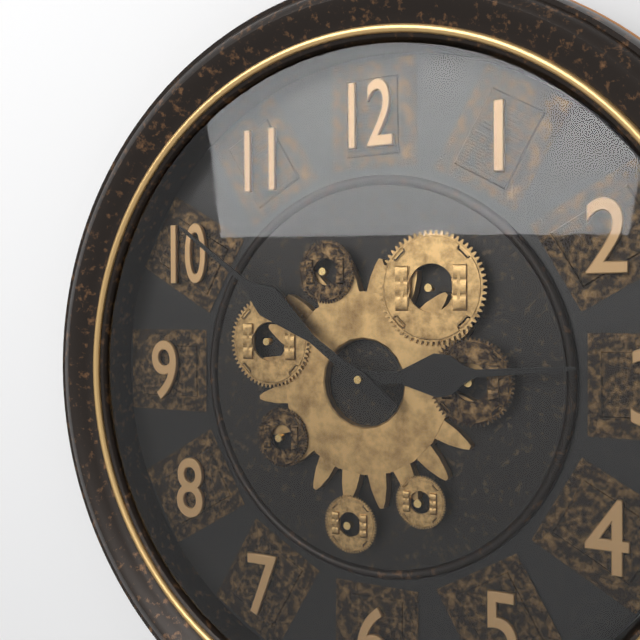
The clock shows **2:51**
